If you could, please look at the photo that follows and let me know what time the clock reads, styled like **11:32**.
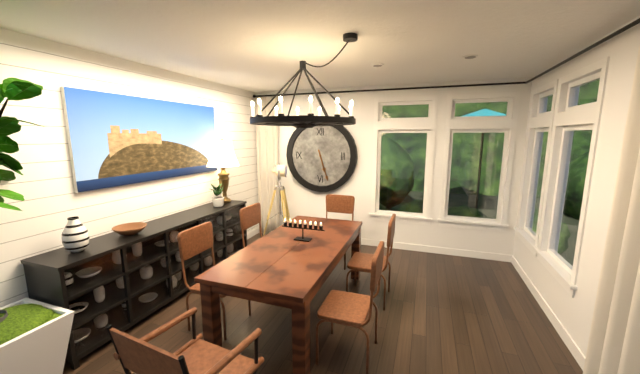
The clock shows **5:27**
